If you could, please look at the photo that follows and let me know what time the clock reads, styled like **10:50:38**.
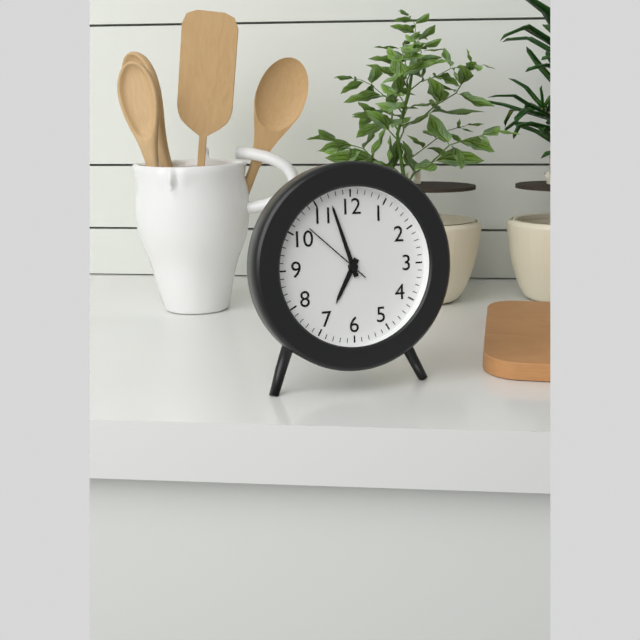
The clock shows **6:57:52**
